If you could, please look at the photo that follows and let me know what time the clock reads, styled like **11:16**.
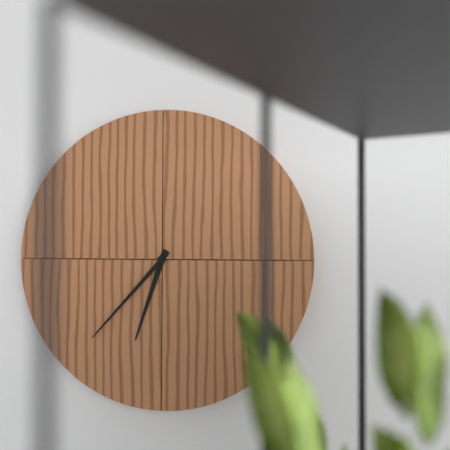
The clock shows **6:37**
